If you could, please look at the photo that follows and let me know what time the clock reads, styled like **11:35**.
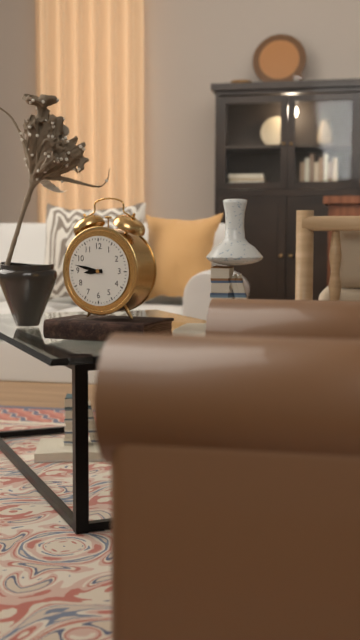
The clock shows **8:47**
